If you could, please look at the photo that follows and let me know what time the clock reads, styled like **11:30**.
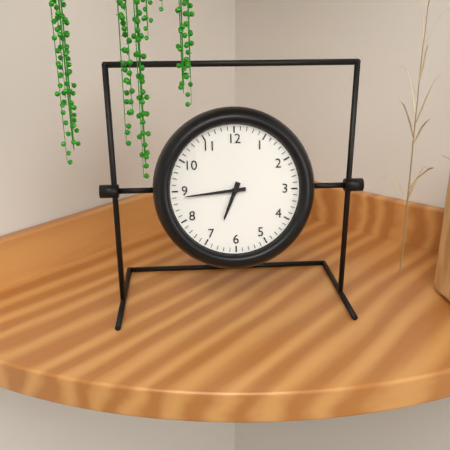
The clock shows **6:44**
